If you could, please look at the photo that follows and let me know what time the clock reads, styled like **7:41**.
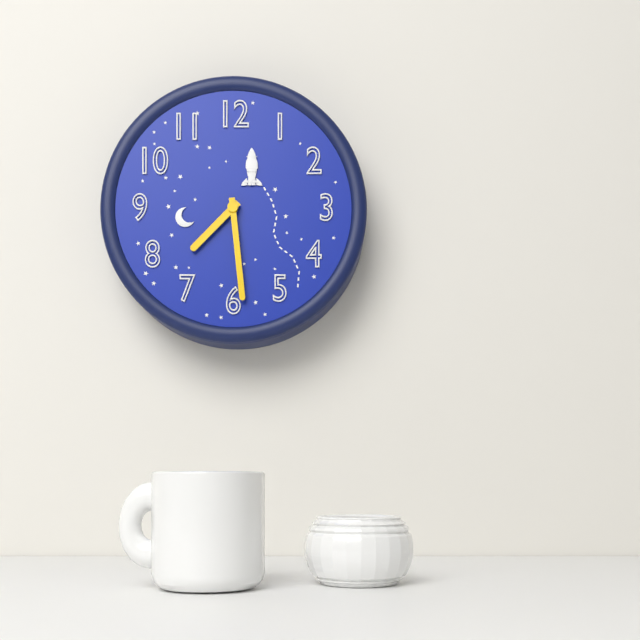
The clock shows **7:29**
